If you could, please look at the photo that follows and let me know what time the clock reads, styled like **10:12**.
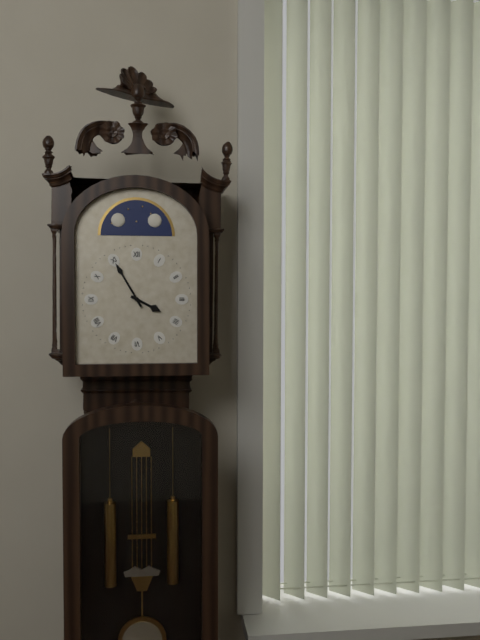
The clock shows **3:55**
